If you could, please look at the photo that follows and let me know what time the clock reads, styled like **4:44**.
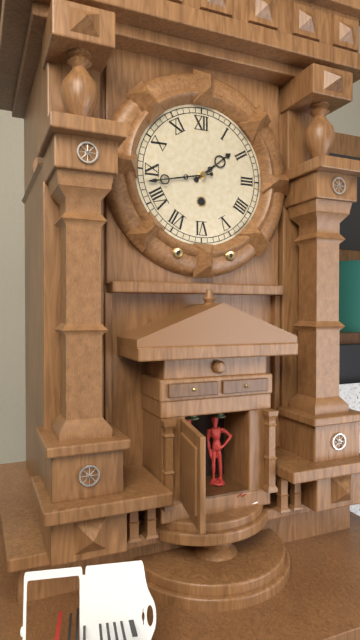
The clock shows **1:43**
